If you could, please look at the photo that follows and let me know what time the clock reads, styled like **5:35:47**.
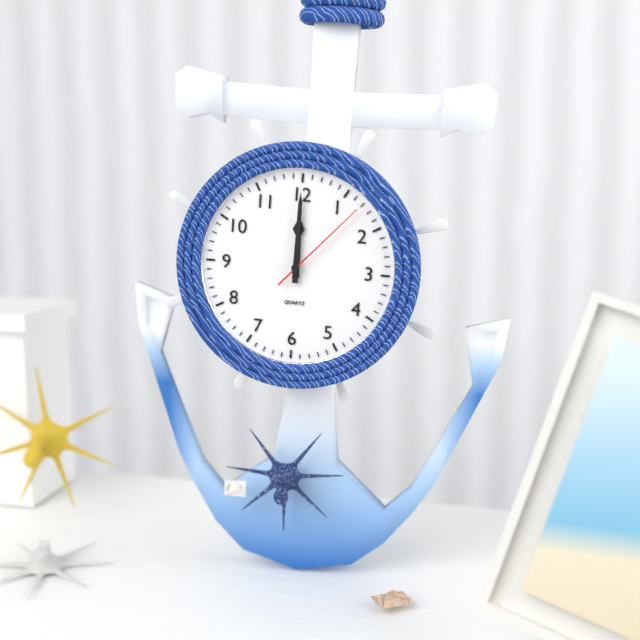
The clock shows **12:00:07**
